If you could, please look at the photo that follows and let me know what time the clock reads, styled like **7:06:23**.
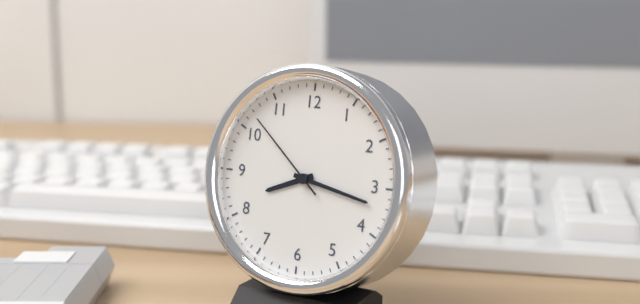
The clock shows **8:17:52**
